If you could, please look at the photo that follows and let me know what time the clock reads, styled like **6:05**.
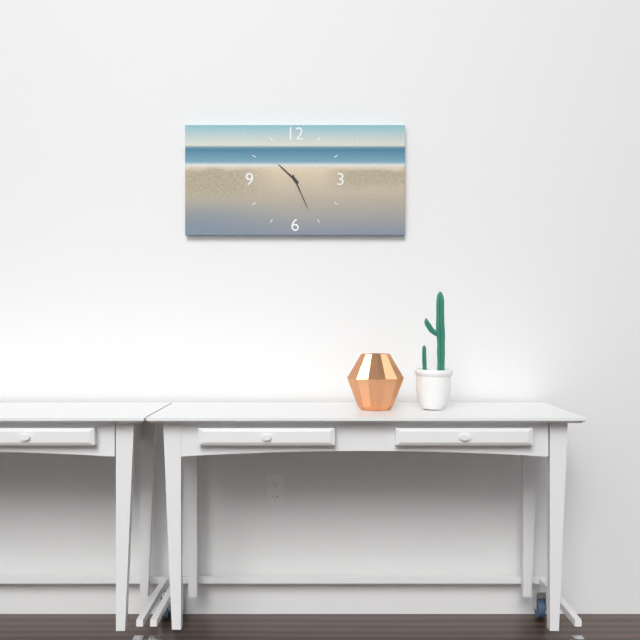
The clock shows **10:26**
